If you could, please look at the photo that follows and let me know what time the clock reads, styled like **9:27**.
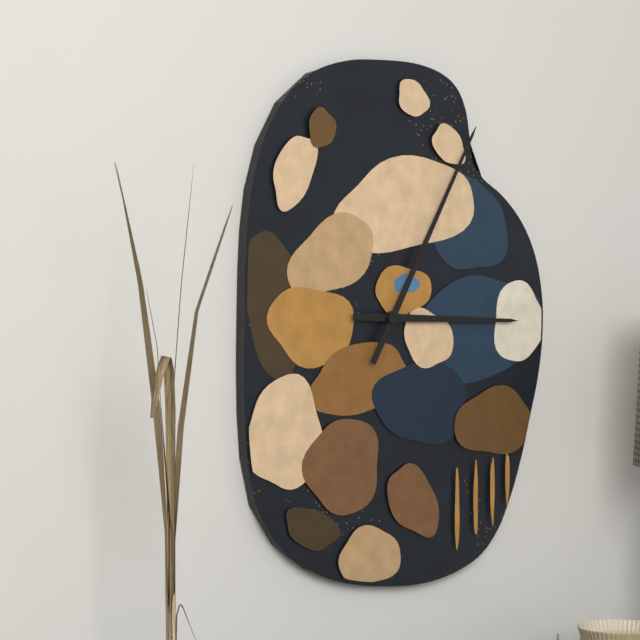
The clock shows **3:05**
